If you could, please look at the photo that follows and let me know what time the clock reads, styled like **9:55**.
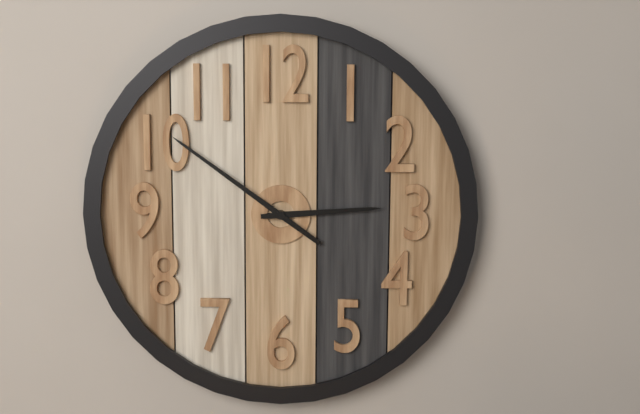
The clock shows **2:51**
